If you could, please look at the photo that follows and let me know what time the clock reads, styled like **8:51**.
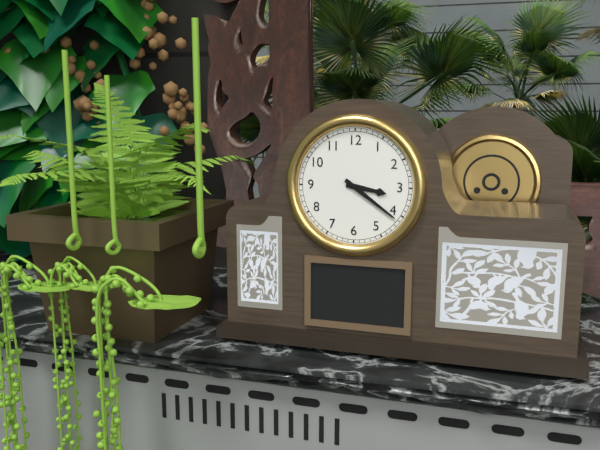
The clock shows **3:21**
